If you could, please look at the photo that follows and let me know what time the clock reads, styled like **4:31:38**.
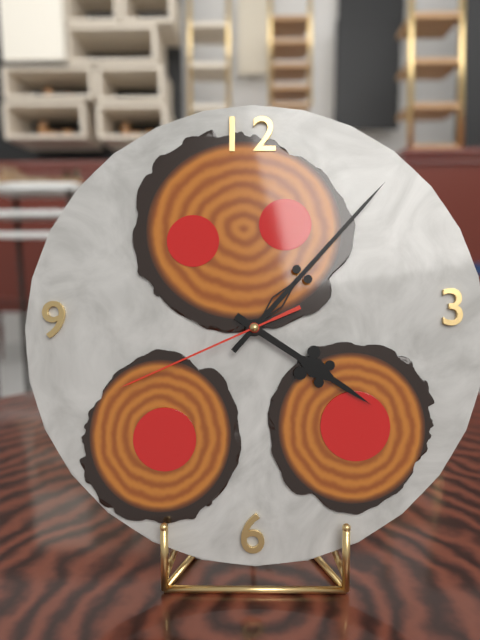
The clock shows **4:07:41**
